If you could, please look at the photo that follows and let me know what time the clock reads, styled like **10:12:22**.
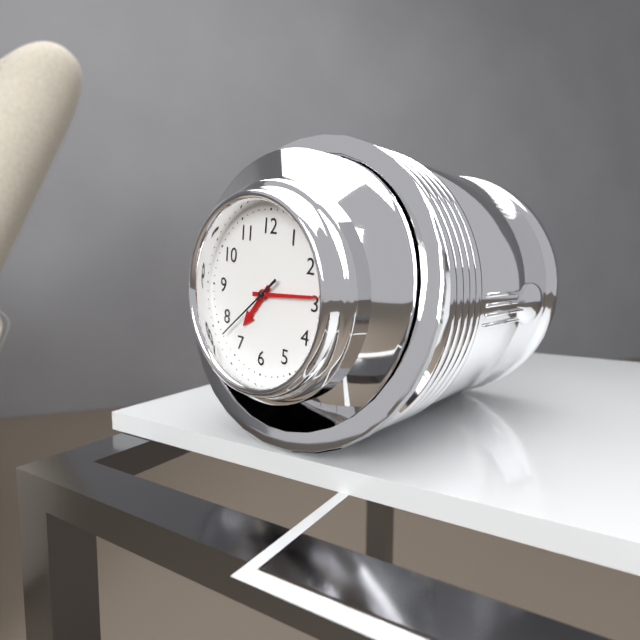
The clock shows **7:14:38**
